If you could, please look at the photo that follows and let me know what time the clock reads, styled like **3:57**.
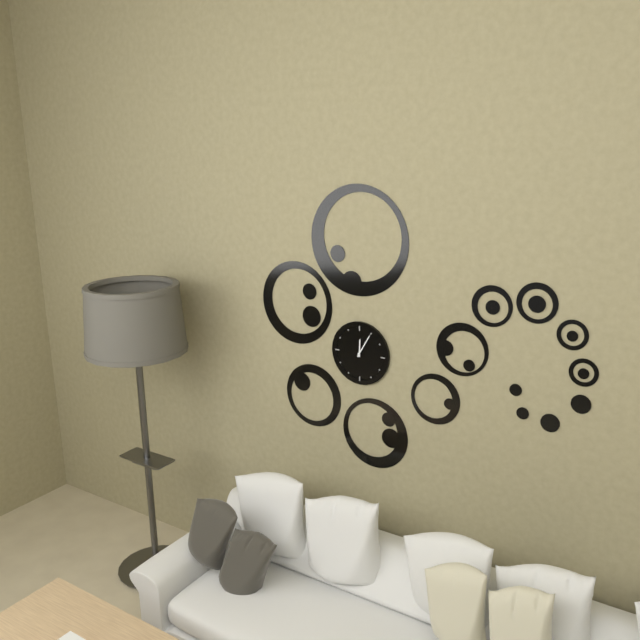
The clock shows **12:05**
